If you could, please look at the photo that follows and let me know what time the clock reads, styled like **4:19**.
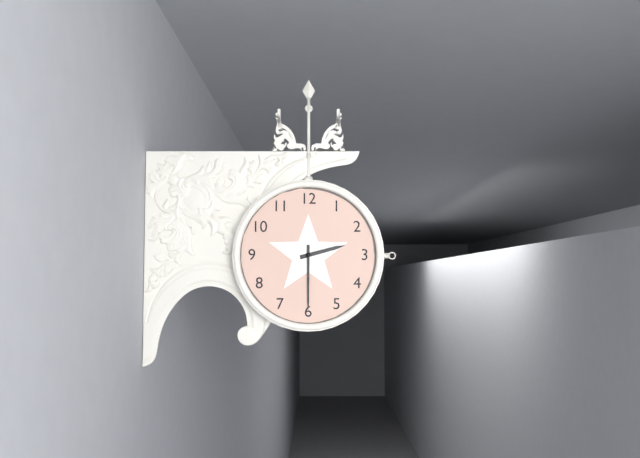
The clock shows **2:30**
